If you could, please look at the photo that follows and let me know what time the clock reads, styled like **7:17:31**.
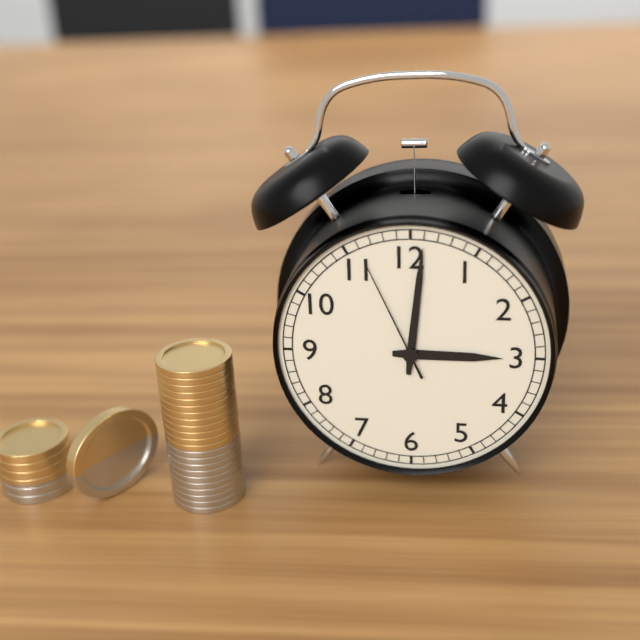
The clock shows **3:01:56**
